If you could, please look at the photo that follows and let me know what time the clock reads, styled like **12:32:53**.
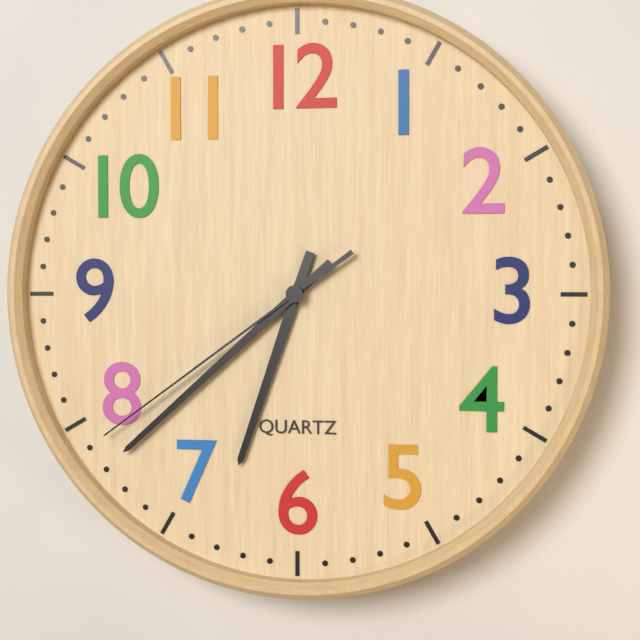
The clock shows **6:38:39**
